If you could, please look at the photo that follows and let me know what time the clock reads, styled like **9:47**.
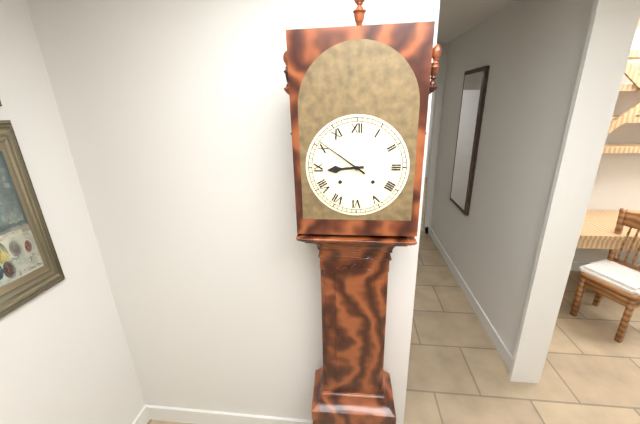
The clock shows **8:51**
